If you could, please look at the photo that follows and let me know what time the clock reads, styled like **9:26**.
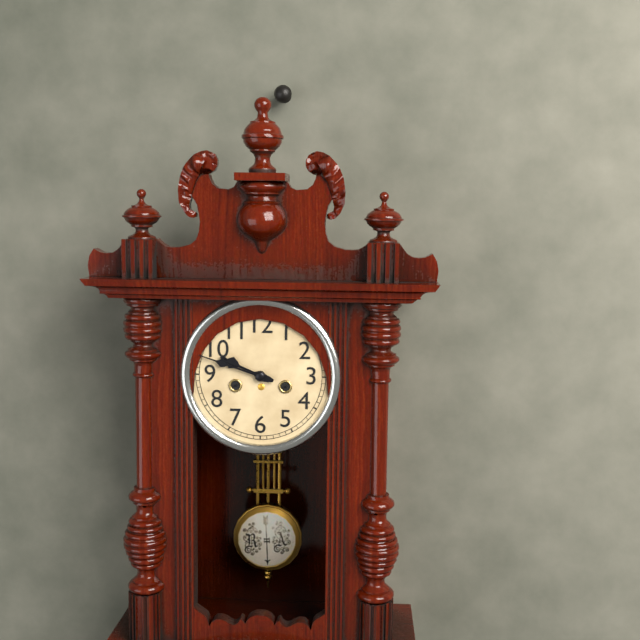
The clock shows **9:48**
